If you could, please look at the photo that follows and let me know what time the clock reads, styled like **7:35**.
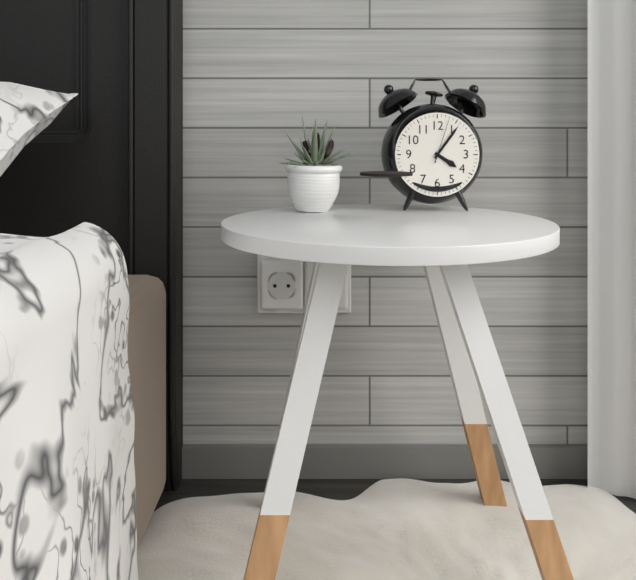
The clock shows **4:06**
